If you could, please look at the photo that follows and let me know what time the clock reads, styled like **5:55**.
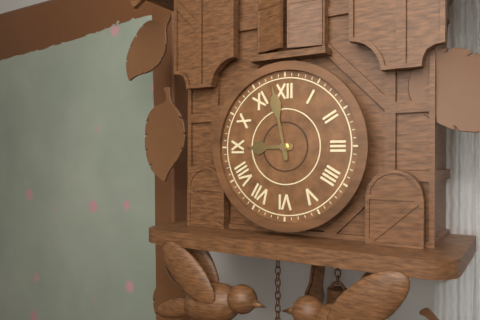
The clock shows **8:58**
